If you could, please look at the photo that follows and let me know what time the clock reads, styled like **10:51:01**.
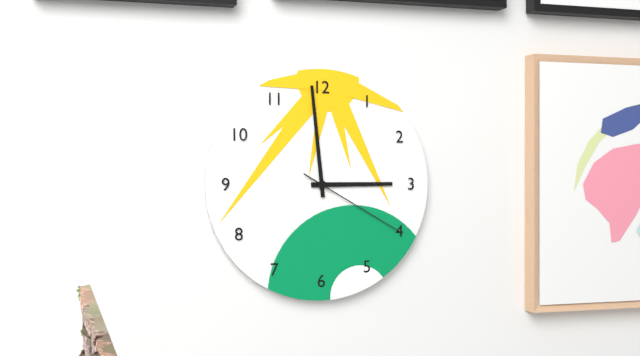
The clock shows **2:59:20**
